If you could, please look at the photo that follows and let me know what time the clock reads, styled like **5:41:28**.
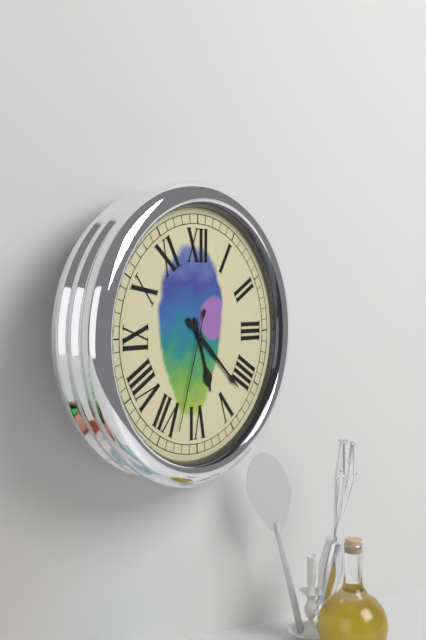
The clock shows **5:22:33**
